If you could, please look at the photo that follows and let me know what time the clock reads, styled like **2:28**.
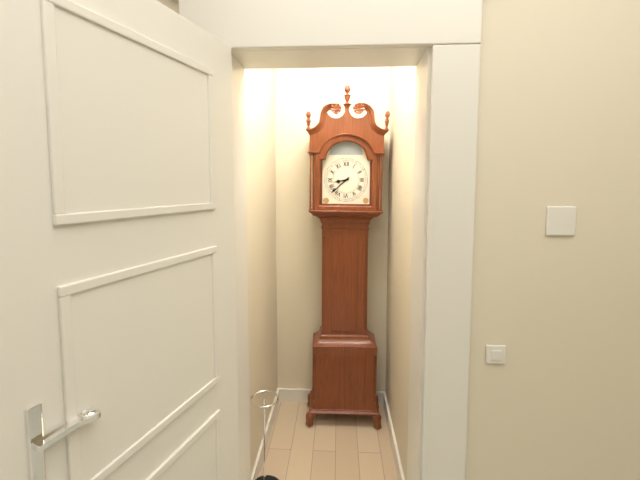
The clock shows **8:38**
